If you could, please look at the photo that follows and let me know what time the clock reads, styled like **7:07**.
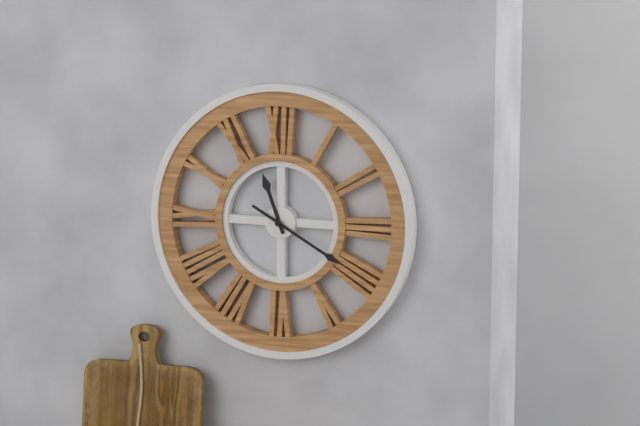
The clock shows **11:20**
